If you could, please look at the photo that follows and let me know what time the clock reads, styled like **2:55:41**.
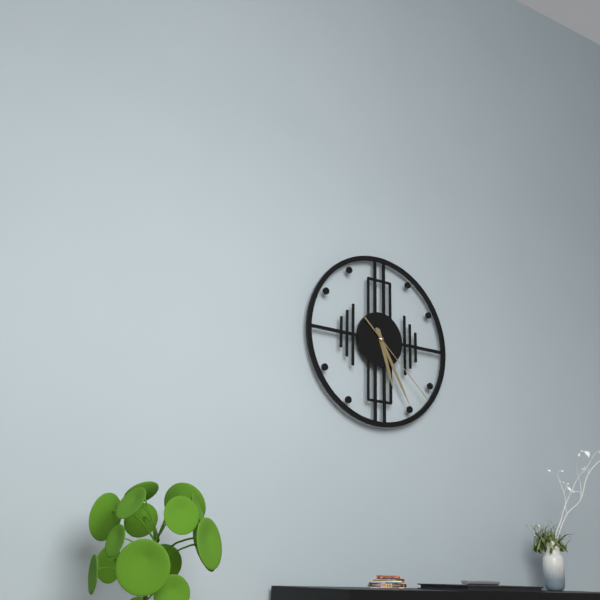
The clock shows **5:25:22**
